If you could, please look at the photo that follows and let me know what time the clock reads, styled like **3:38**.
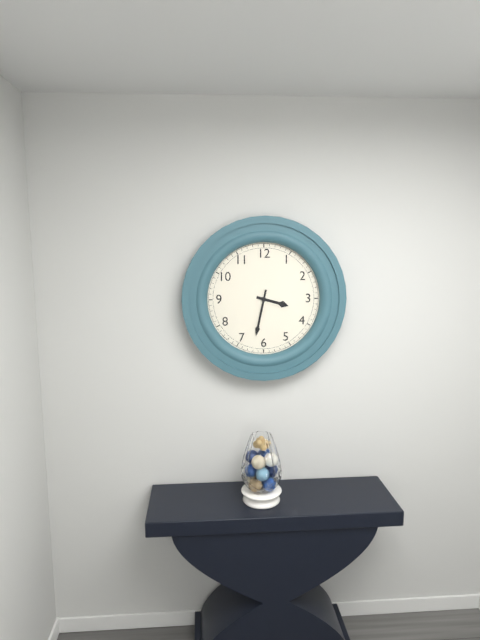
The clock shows **3:32**
